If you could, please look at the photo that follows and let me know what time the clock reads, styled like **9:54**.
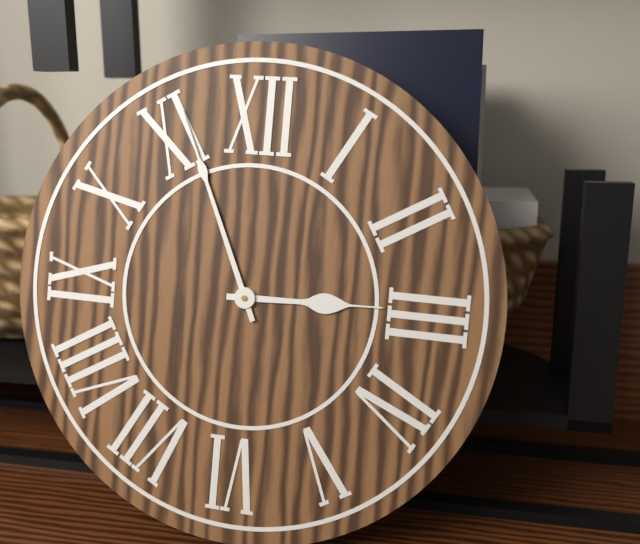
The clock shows **2:56**
